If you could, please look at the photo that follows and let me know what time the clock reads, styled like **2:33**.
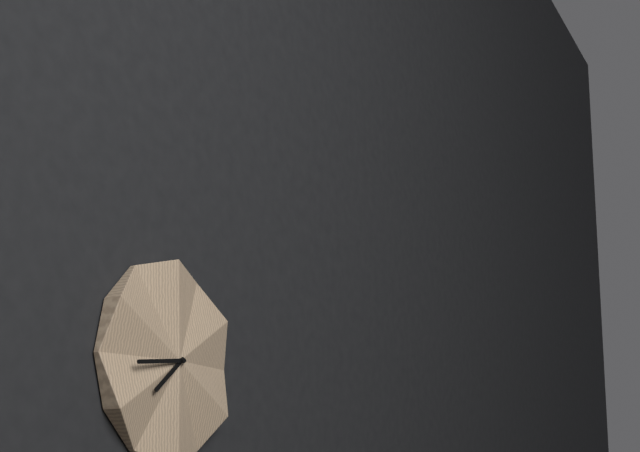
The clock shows **7:44**
